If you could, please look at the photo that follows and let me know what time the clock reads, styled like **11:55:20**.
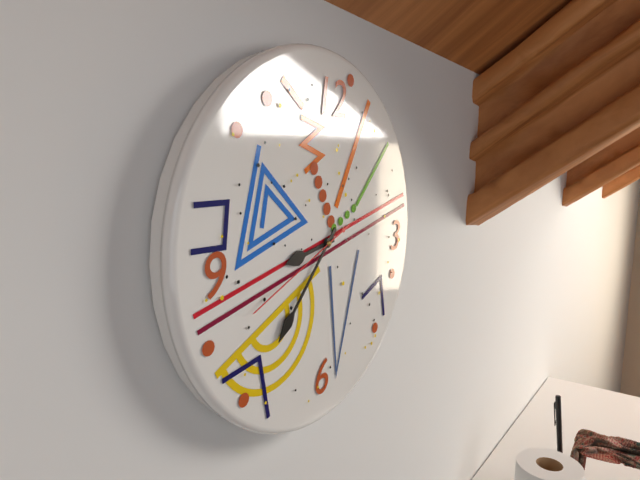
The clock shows **8:37:41**
